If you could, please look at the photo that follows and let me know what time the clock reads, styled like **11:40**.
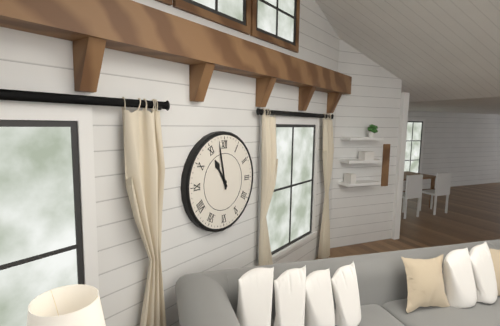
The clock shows **10:58**
